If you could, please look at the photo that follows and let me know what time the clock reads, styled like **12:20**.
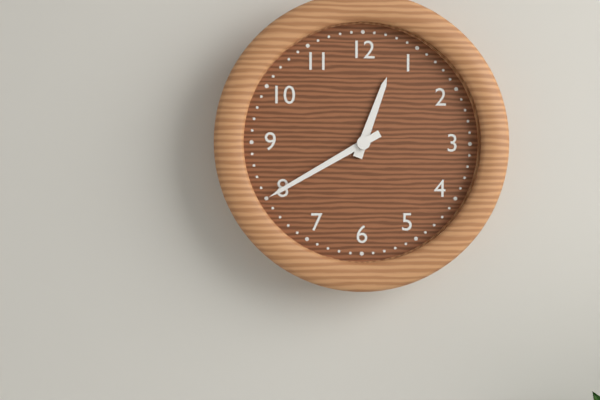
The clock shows **12:40**
